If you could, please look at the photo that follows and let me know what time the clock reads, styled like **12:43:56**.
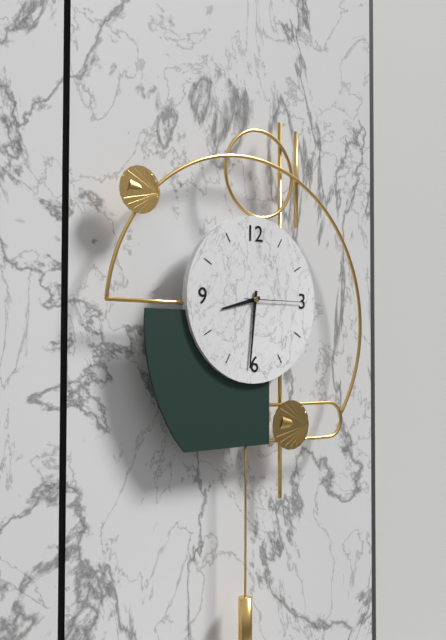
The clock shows **8:31:15**
